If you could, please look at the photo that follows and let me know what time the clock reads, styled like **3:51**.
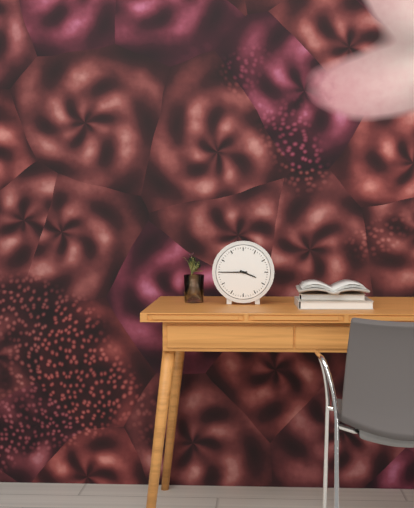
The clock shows **3:45**
